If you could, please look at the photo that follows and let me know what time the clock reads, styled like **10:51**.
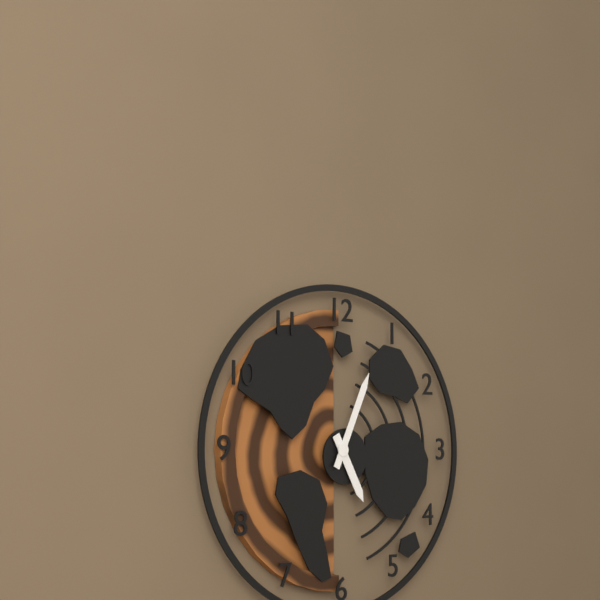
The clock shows **5:04**
